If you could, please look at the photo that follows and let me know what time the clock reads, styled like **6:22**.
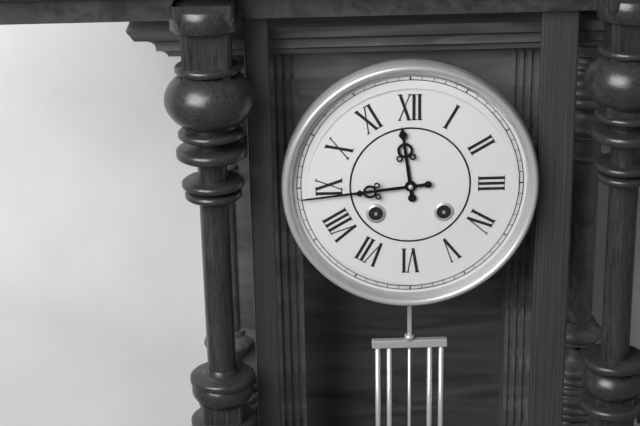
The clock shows **11:44**
